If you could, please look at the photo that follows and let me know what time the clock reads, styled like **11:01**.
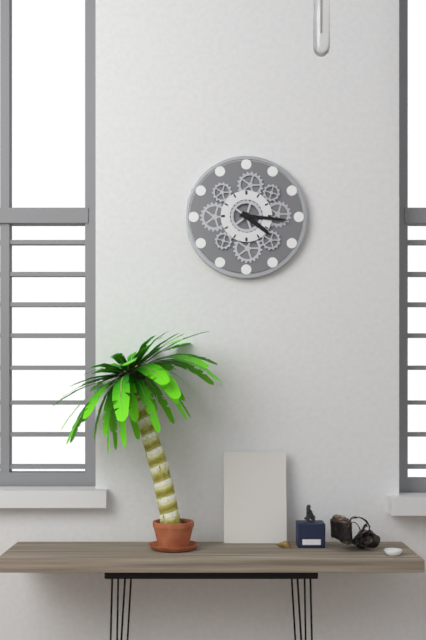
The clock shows **4:16**
